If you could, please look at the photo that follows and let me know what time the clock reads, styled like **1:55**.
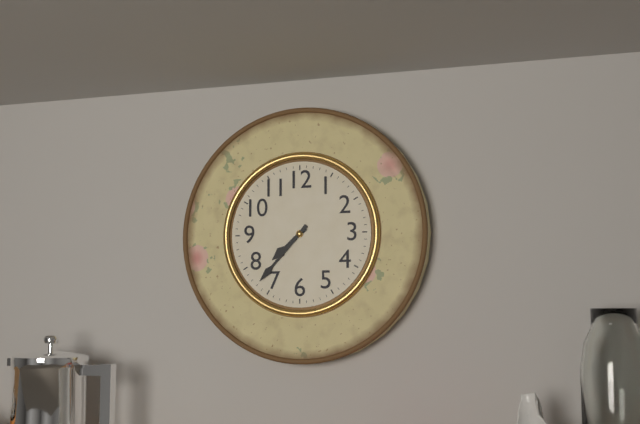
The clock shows **7:37**
